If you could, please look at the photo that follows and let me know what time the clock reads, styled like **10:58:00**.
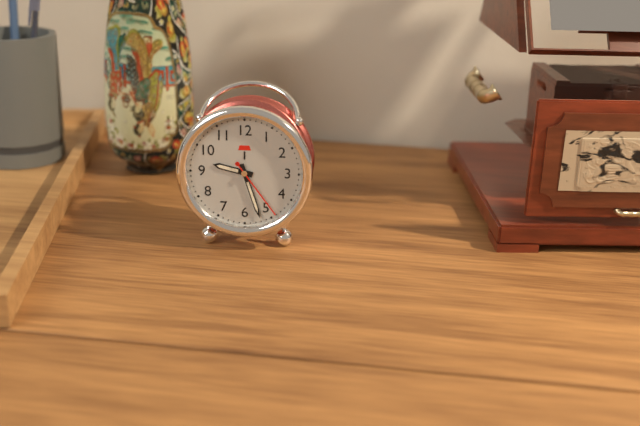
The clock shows **9:27:24**
